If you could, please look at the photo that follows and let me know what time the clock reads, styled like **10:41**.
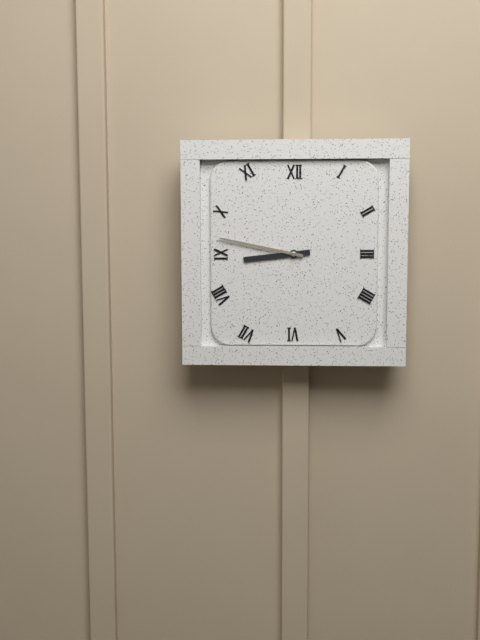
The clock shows **8:47**
